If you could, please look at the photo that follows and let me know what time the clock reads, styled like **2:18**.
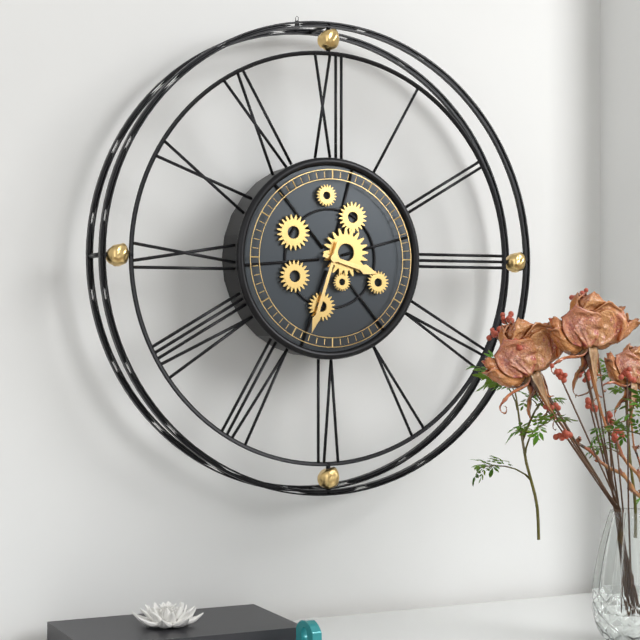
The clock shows **3:33**
